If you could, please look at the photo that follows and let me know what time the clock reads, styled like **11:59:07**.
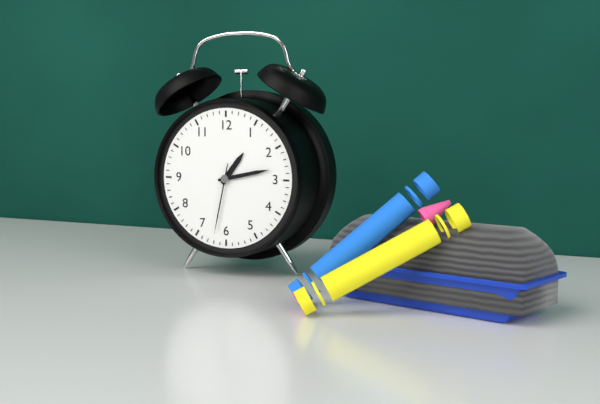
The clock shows **1:13:32**
